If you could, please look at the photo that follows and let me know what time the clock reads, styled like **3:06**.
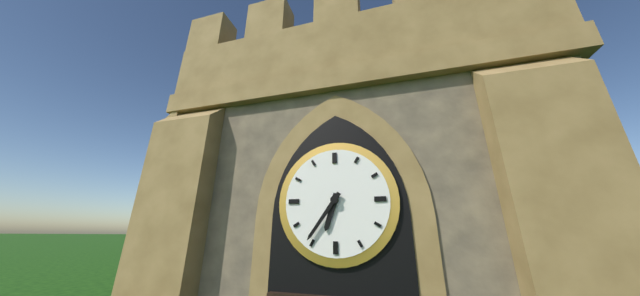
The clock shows **6:36**
